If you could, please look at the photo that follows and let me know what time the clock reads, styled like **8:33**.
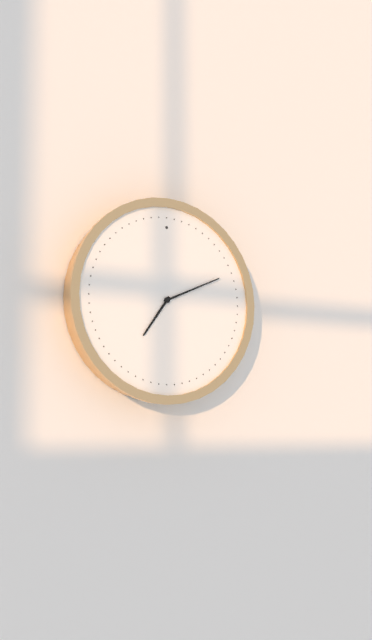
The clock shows **7:11**
